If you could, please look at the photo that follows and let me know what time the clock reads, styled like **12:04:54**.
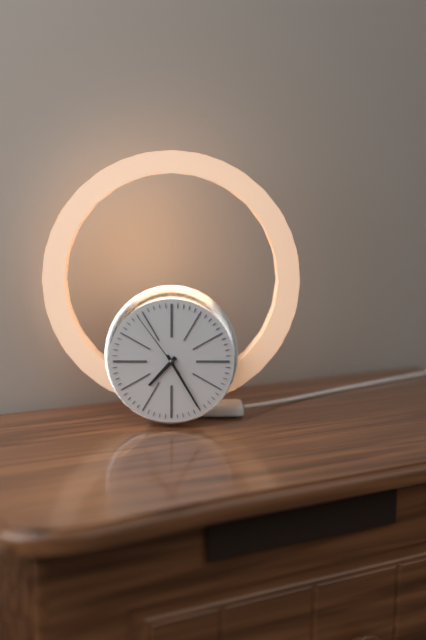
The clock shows **7:25:54**
